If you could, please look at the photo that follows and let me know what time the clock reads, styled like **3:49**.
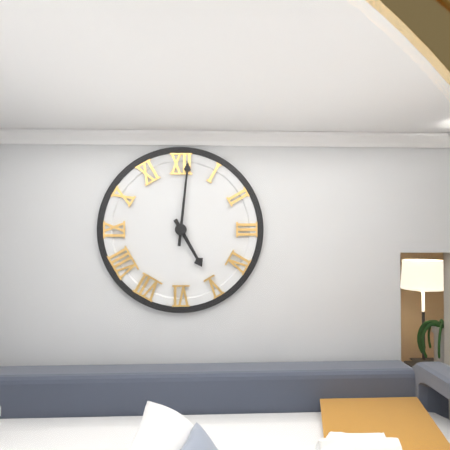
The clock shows **5:01**
